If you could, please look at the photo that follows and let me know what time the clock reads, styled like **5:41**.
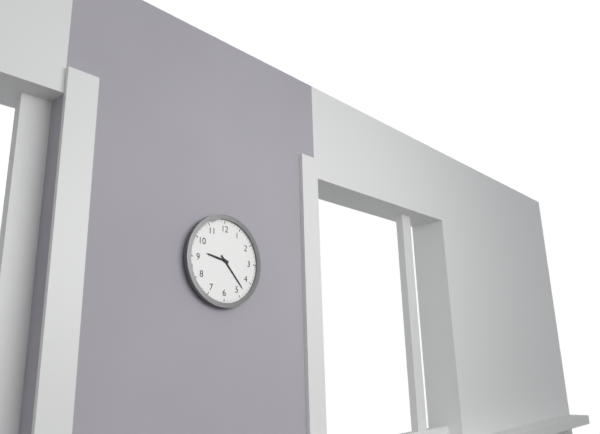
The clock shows **9:23**
